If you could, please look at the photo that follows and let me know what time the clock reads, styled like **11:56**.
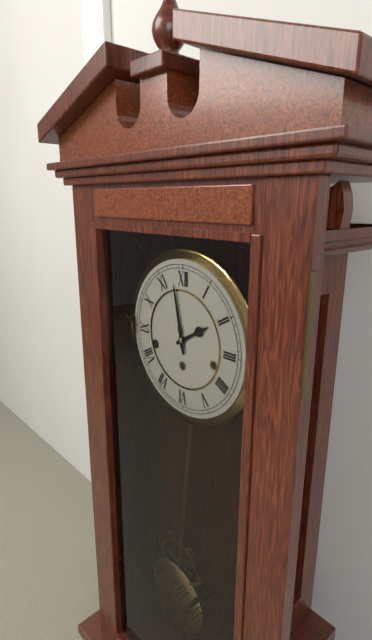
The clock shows **1:58**
